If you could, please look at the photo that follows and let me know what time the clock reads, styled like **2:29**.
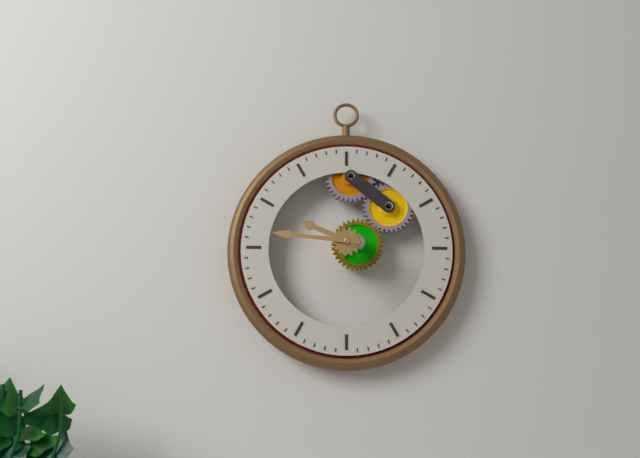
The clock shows **9:46**
